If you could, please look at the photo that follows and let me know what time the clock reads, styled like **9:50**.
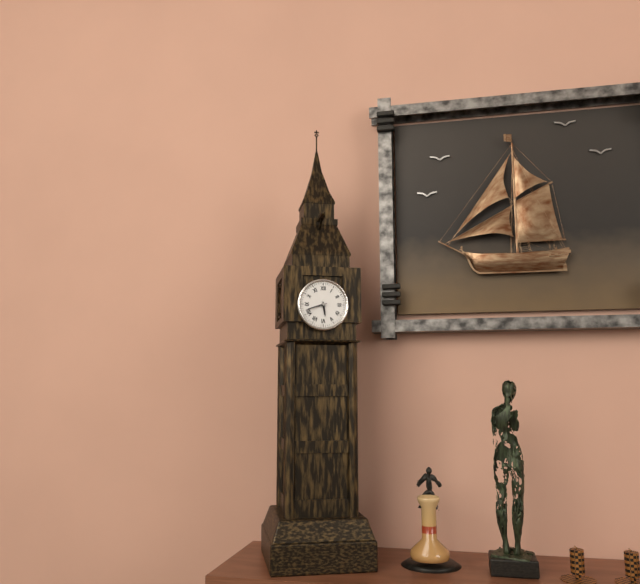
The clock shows **5:42**
